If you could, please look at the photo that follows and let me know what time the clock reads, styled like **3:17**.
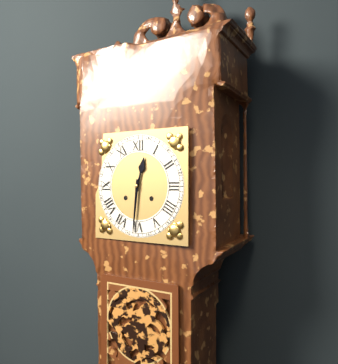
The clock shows **12:31**
